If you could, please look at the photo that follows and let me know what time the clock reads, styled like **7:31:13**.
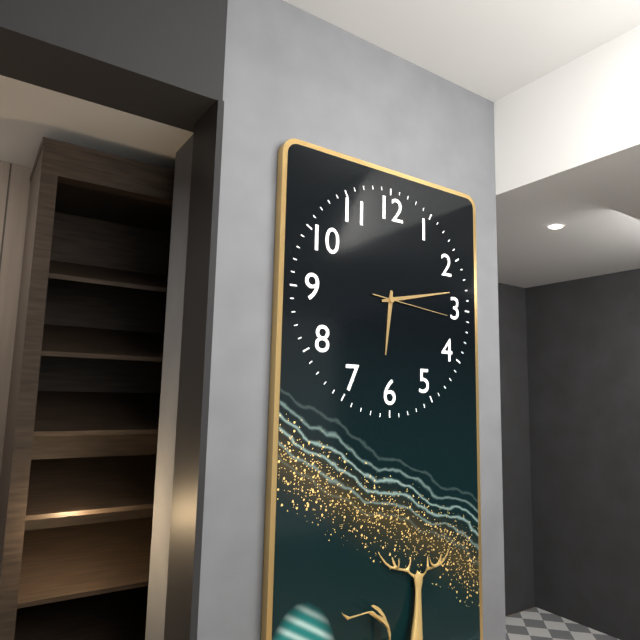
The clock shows **6:13:16**
